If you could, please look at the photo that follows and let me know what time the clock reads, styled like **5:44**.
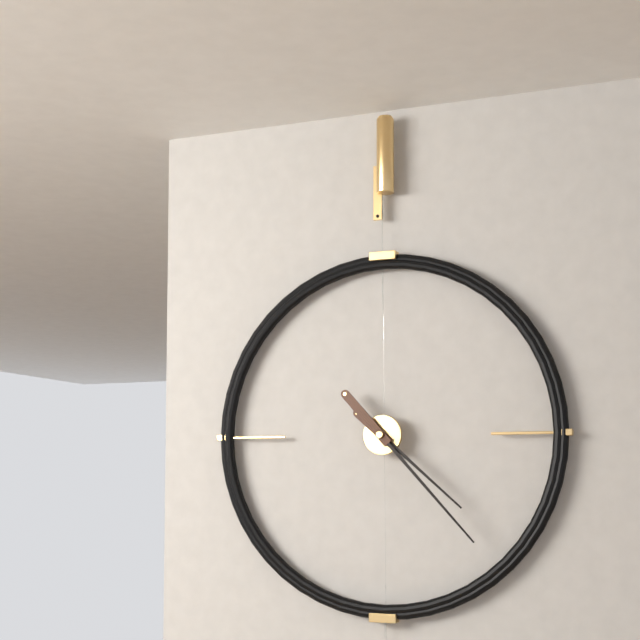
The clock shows **4:23**
